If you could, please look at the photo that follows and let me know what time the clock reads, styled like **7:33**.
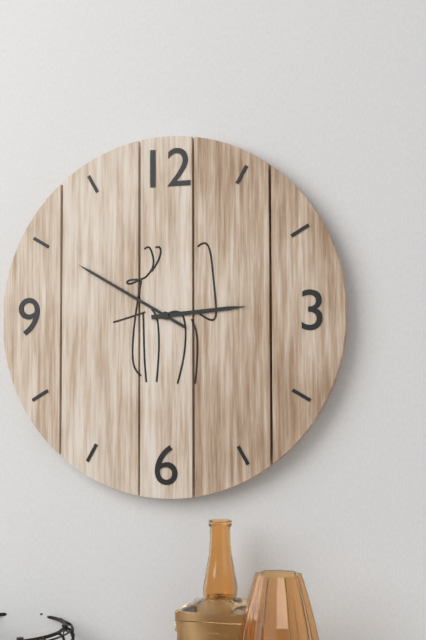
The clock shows **2:50**
